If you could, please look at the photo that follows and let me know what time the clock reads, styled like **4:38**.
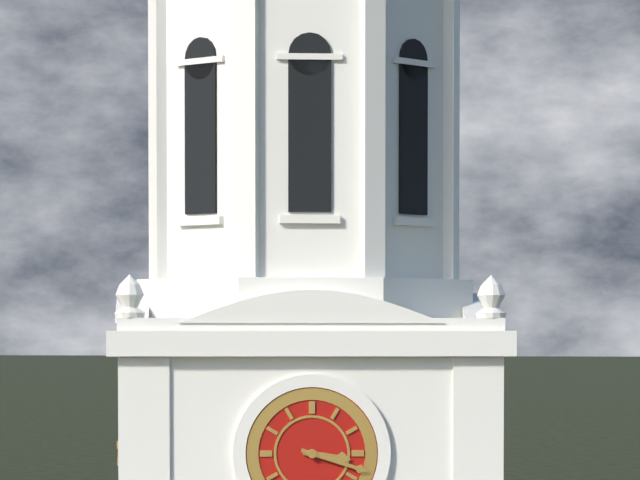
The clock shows **3:18**
